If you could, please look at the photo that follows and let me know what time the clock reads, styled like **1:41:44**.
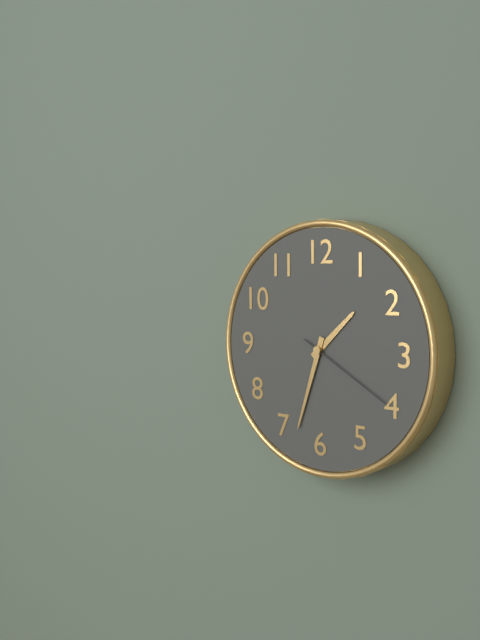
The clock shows **1:33:20**
